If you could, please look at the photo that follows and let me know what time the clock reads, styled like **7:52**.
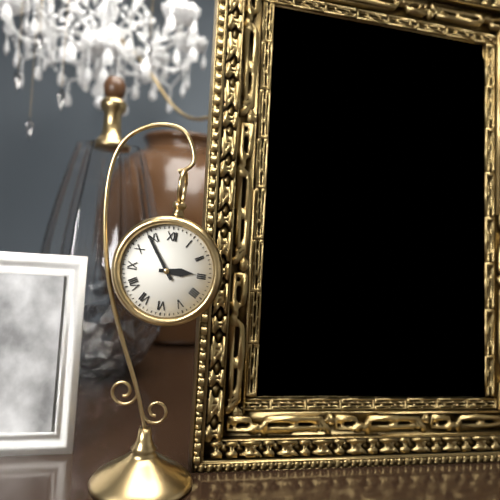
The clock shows **2:54**
